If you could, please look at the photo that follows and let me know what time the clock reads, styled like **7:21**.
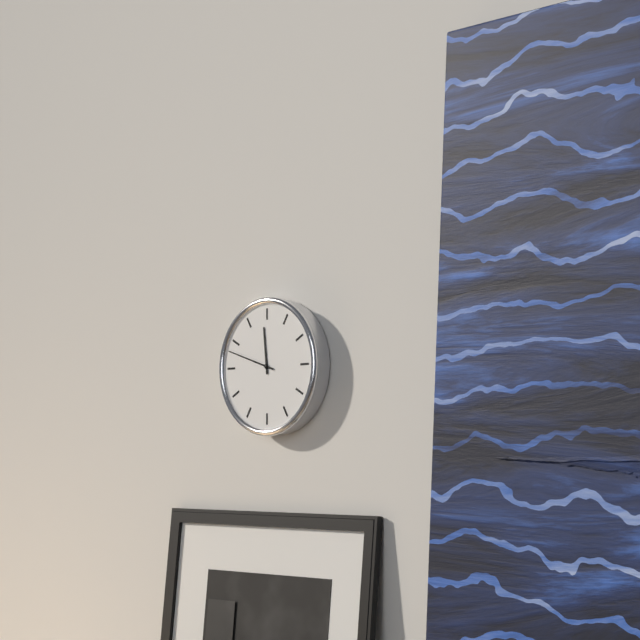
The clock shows **11:48**
